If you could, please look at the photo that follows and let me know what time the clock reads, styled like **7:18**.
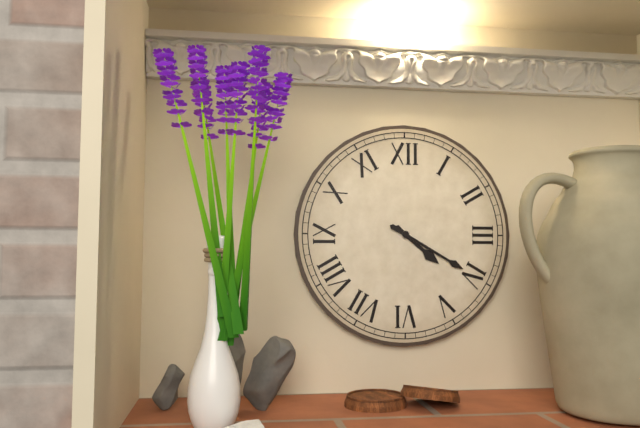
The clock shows **4:20**
